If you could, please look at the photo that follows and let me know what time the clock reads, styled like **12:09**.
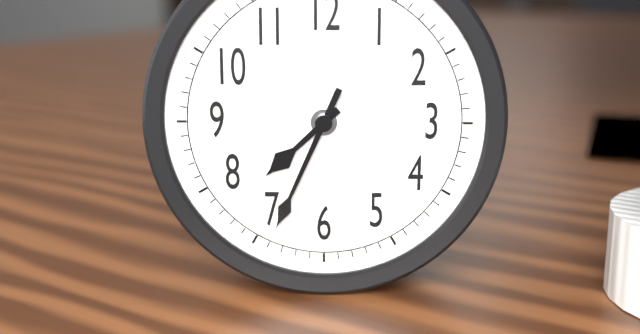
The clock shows **7:34**
